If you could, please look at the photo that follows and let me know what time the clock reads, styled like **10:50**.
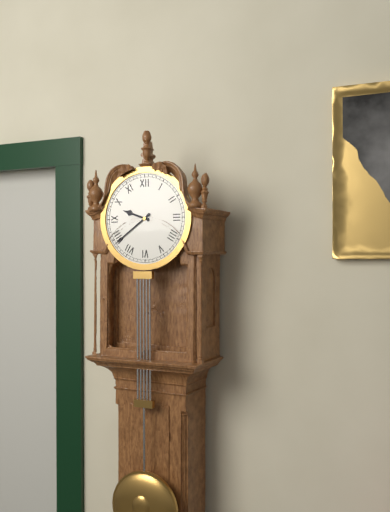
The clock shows **9:39**
